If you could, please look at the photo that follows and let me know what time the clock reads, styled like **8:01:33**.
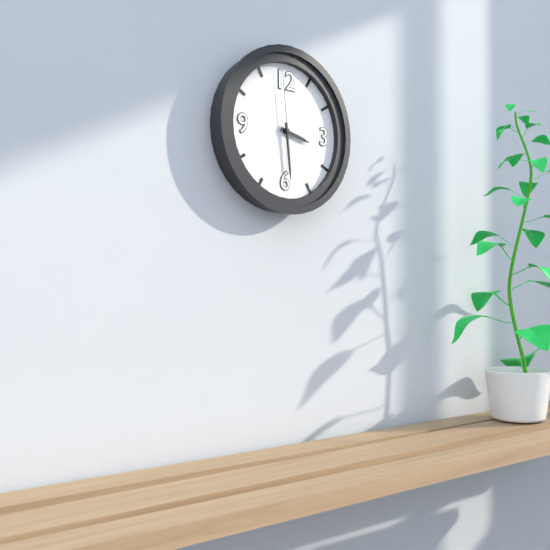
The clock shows **3:29:59**
